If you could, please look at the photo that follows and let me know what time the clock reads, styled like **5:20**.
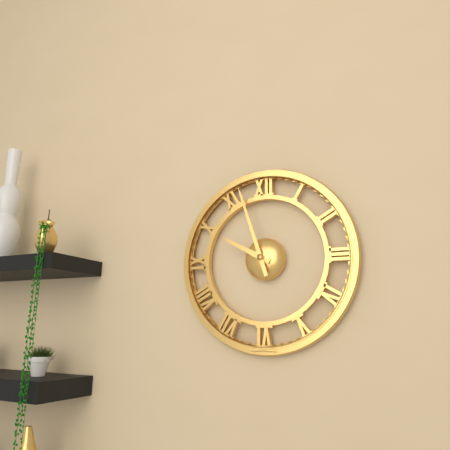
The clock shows **9:57**
